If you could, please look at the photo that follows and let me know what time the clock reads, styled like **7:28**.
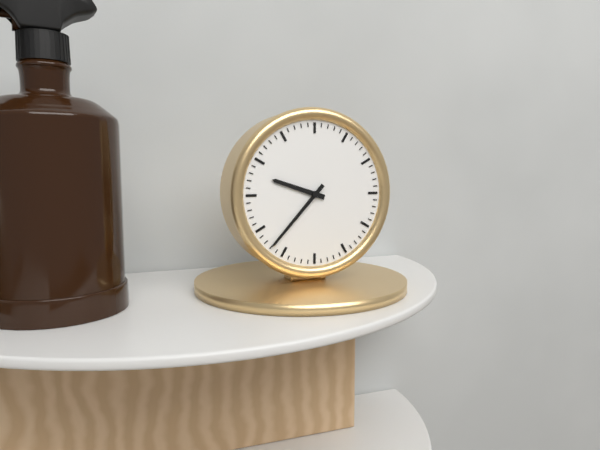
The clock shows **9:37**
